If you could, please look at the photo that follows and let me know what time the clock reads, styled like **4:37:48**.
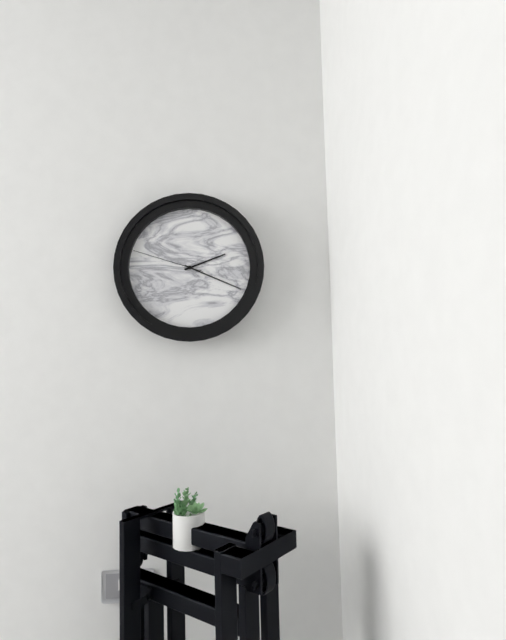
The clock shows **2:19:48**
